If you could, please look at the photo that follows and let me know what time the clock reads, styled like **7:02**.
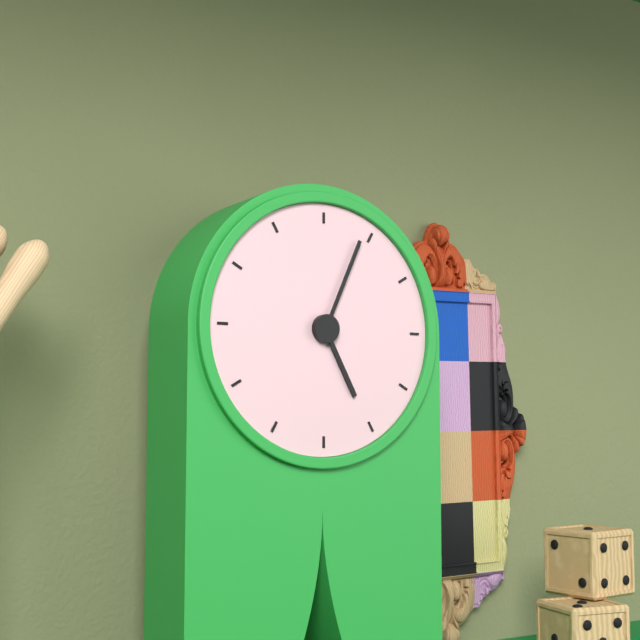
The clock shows **5:04**
